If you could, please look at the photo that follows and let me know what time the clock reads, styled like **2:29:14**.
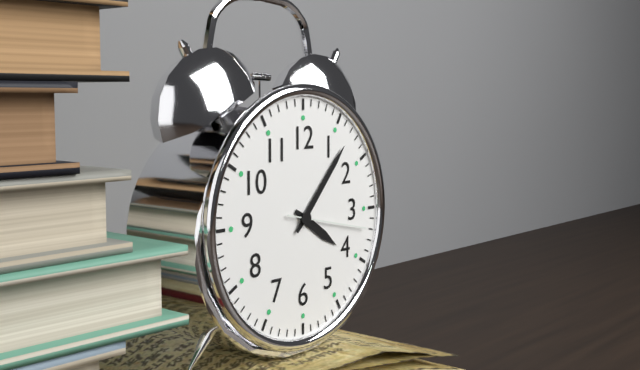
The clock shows **4:07:17**
